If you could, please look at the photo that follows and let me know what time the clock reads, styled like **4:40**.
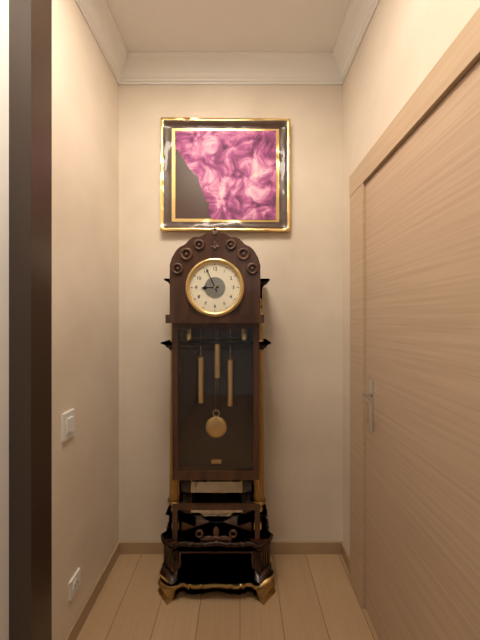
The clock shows **8:56**
